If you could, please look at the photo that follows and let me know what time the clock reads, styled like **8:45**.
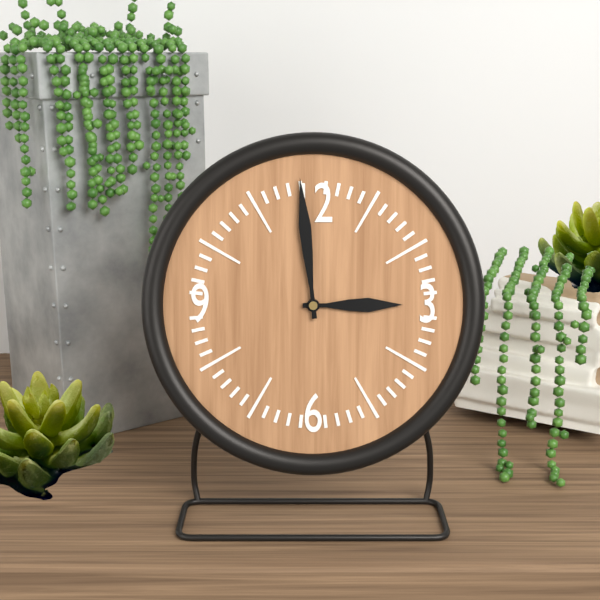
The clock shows **2:59**
